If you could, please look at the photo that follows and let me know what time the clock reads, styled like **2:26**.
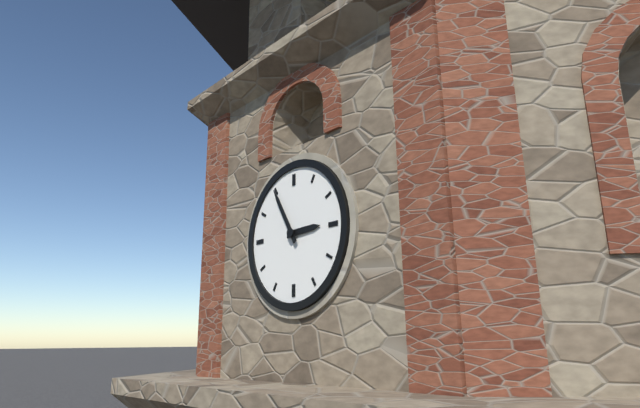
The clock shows **2:55**
